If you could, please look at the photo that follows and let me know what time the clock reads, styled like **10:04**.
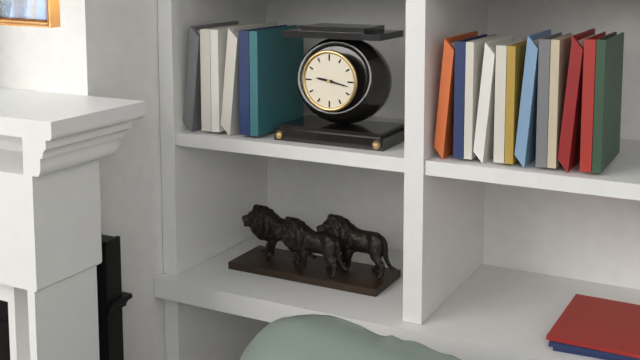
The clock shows **9:17**
